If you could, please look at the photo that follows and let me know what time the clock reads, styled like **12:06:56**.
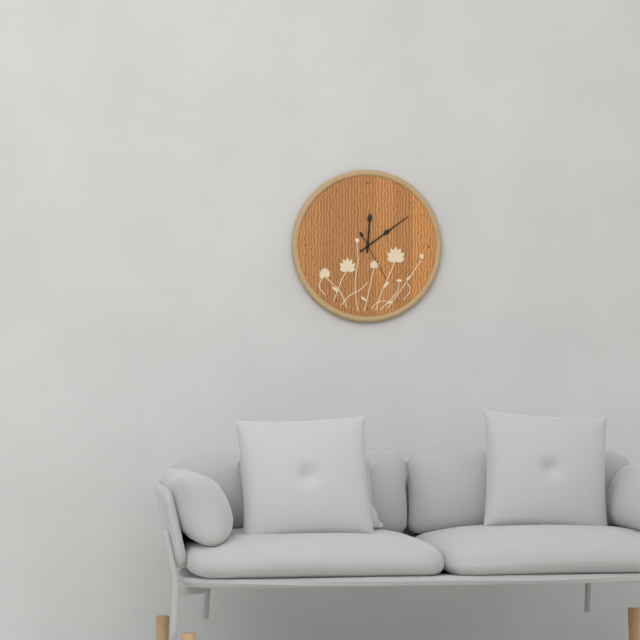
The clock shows **12:09:25**
